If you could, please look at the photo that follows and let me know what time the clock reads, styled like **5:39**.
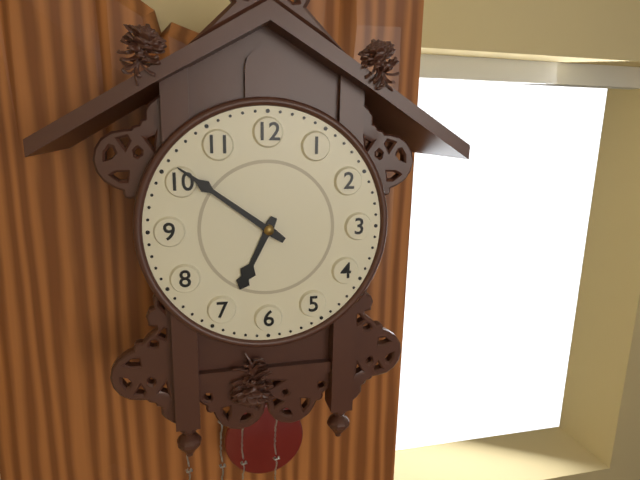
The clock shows **6:51**
